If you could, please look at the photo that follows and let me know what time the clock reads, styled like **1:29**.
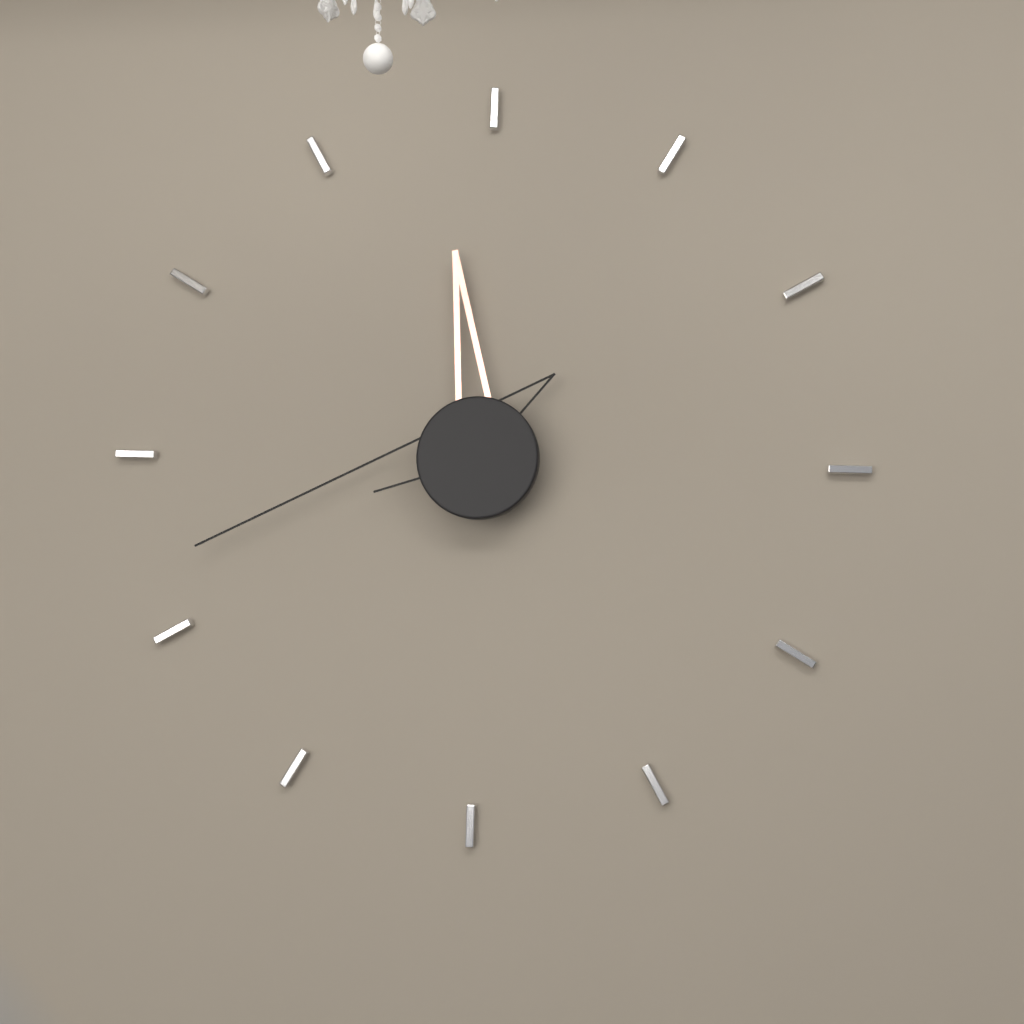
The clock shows **11:42**
